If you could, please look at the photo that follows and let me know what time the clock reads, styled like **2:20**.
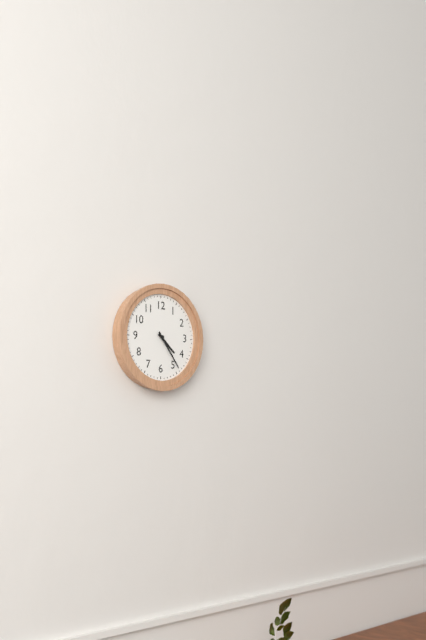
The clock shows **4:24**
